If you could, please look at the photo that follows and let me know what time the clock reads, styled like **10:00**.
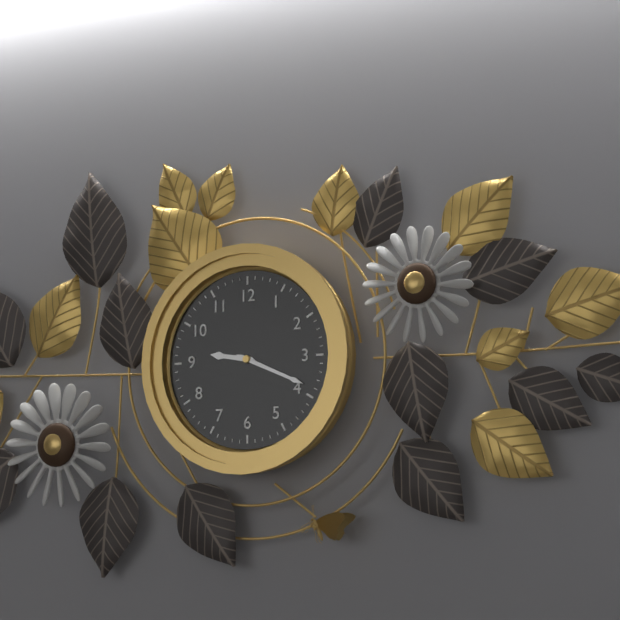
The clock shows **9:19**
